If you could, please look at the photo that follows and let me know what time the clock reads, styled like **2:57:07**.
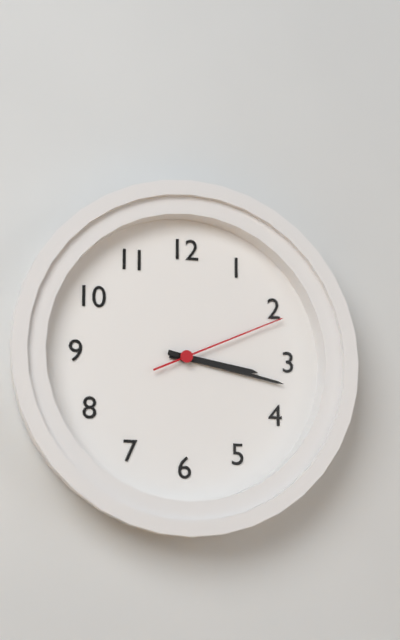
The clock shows **3:17:11**
